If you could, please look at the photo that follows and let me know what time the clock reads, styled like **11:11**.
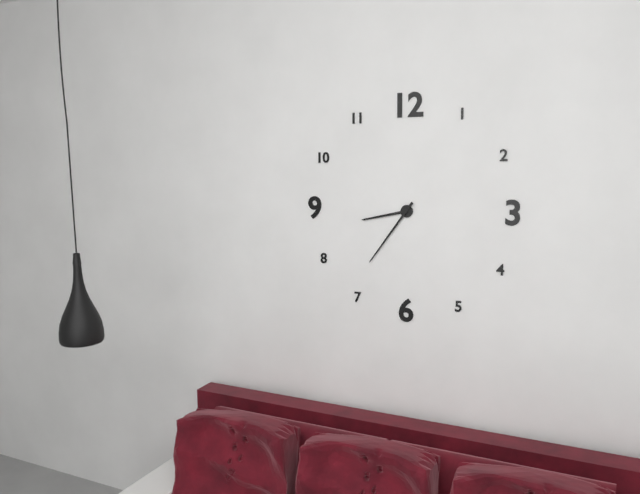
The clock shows **8:36**
